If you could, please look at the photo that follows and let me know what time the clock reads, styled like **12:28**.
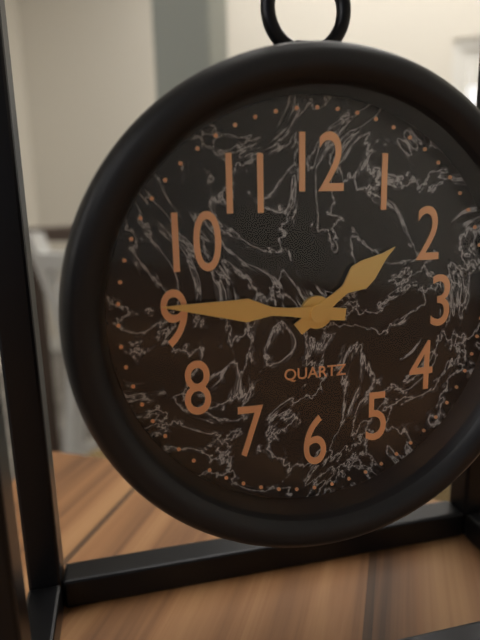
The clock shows **1:46**
